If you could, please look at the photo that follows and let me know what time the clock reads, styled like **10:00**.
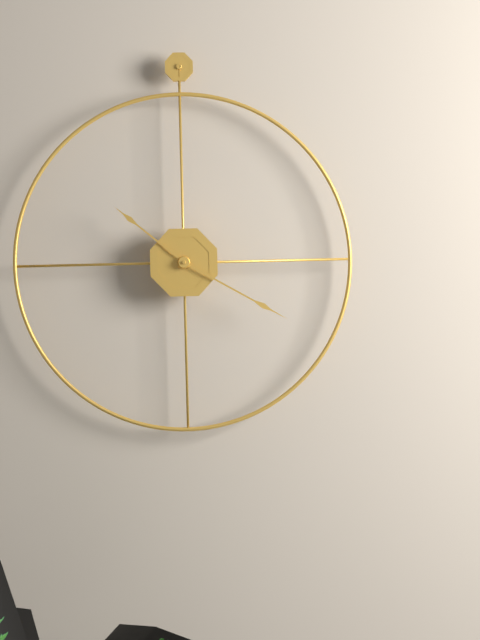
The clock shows **10:20**
